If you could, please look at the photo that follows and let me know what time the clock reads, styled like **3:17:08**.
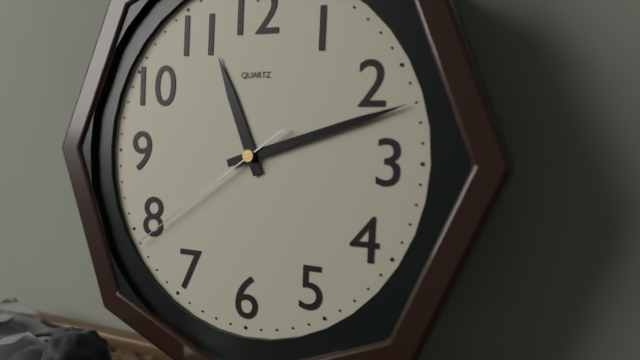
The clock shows **11:12:39**
